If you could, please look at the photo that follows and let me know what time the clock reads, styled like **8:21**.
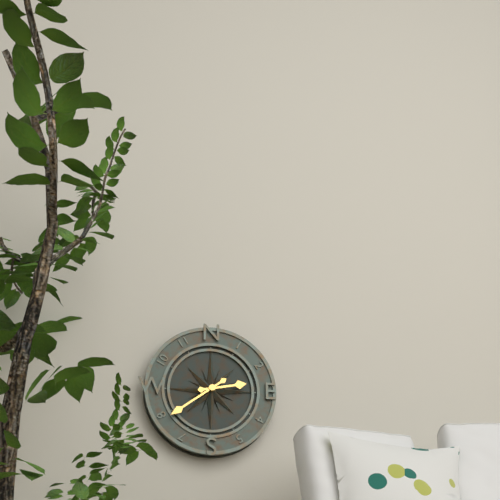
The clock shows **2:39**
